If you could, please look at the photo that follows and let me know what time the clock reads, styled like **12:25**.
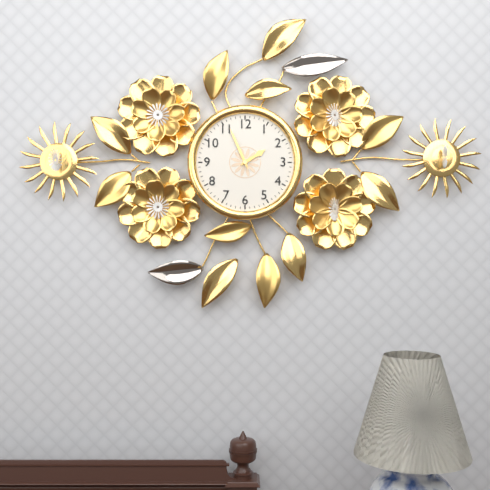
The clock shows **1:56**
